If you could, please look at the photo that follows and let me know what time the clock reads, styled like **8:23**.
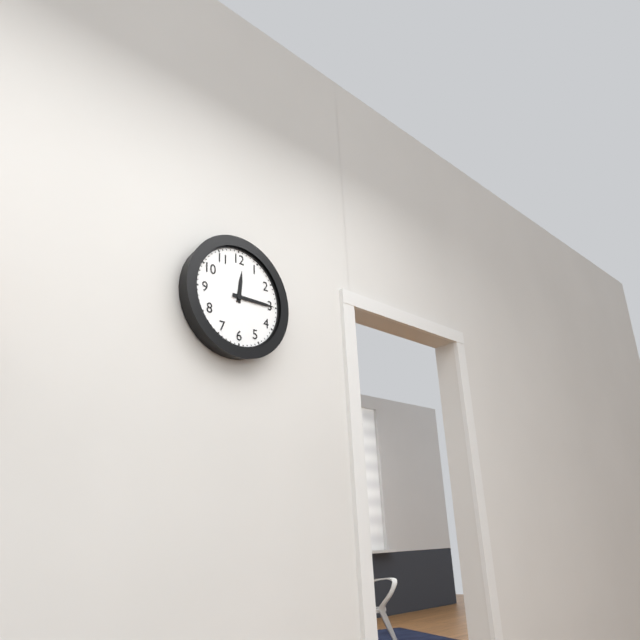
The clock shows **12:15**
